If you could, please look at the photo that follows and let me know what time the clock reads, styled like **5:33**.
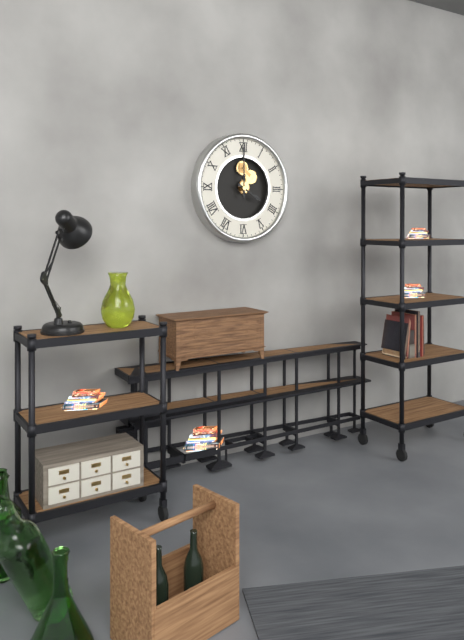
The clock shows **4:00**
